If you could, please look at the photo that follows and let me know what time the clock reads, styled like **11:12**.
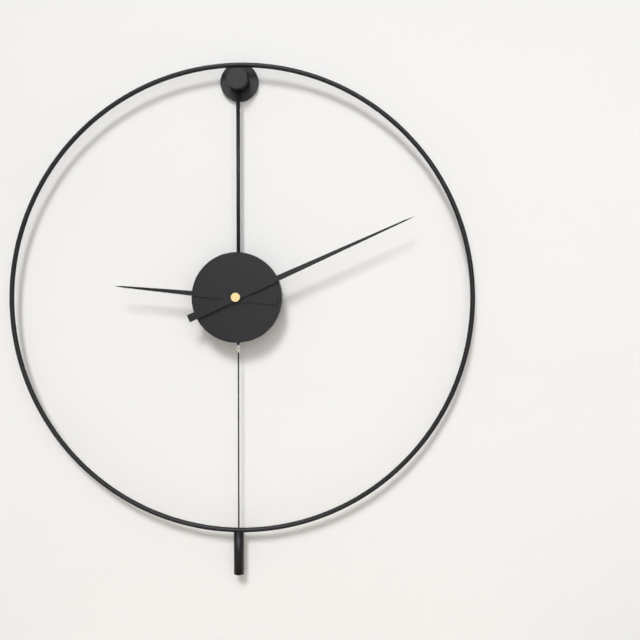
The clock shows **9:11**
